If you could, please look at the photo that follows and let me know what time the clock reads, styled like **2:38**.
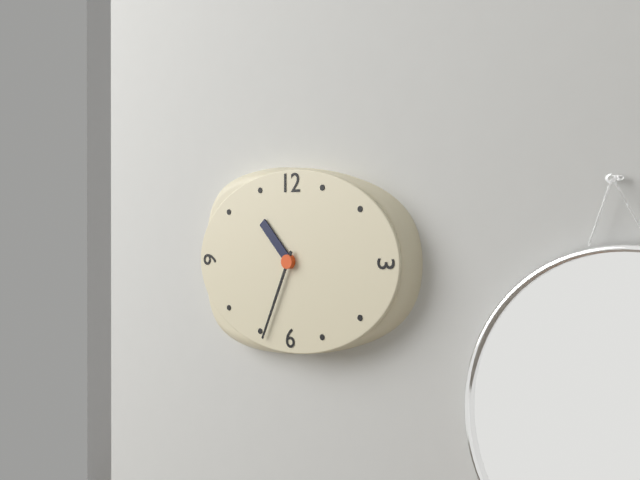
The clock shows **10:34**
